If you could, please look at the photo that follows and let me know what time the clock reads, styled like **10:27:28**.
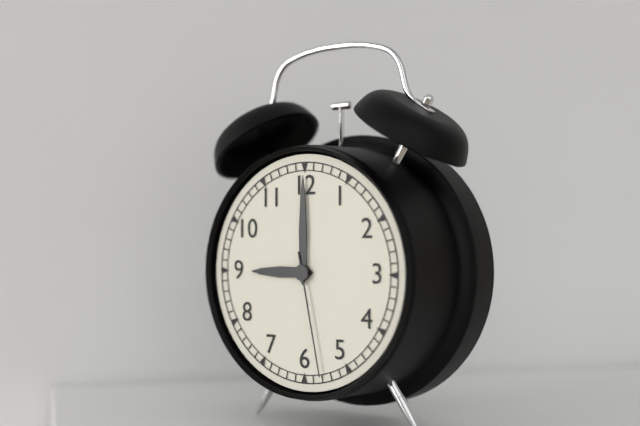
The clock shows **9:00:28**
